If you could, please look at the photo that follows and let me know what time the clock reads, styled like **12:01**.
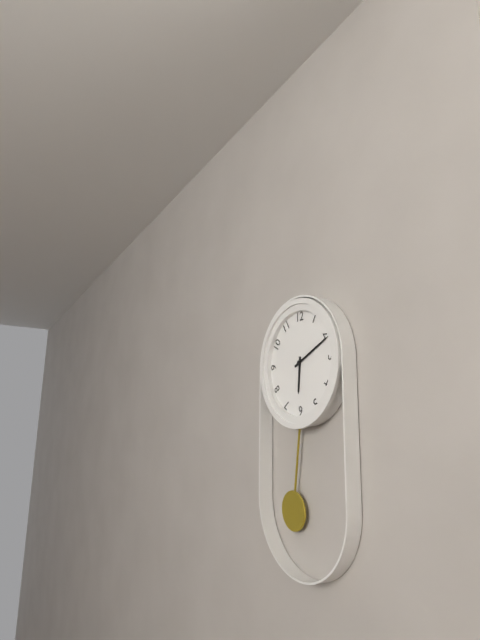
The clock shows **6:11**
